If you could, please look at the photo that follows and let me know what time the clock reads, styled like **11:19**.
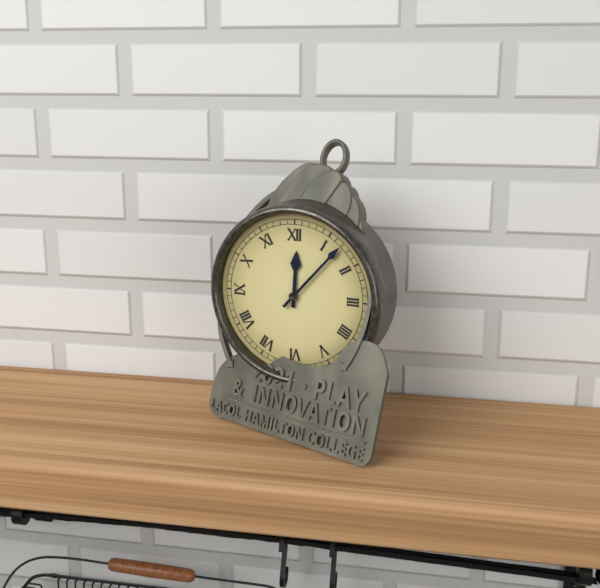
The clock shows **12:07**
